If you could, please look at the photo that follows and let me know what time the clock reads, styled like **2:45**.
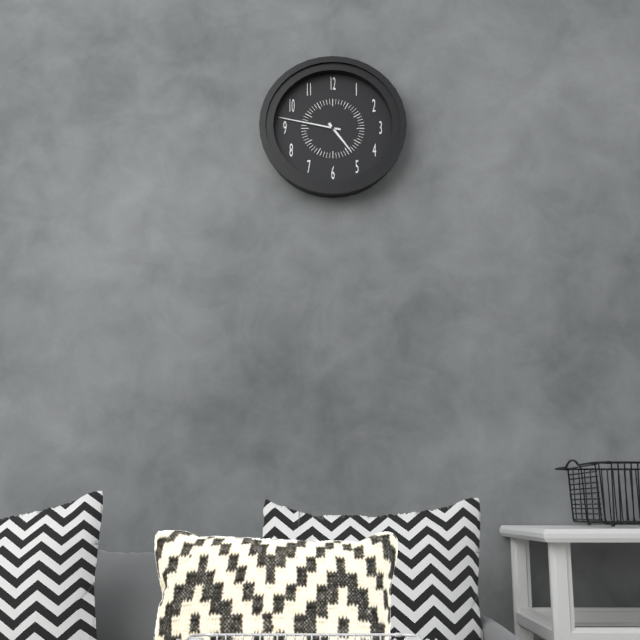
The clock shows **4:47**
